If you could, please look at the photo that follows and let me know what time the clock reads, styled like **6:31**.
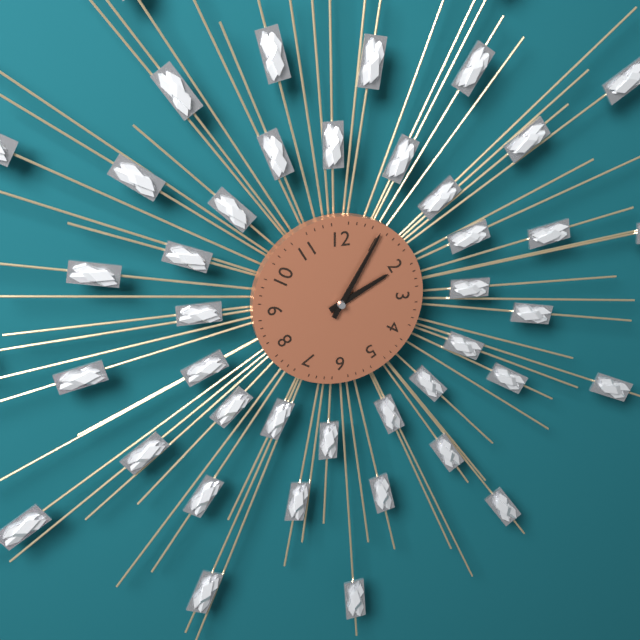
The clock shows **2:05**
